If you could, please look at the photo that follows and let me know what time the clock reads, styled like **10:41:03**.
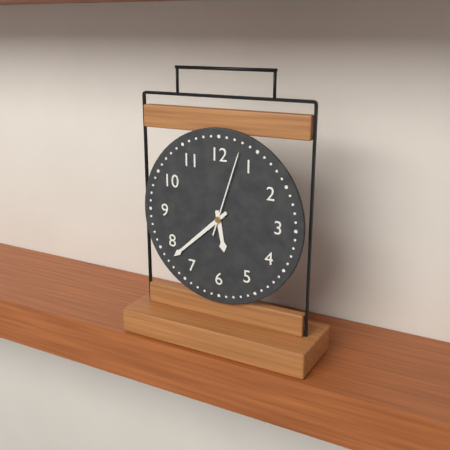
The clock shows **5:38:03**
